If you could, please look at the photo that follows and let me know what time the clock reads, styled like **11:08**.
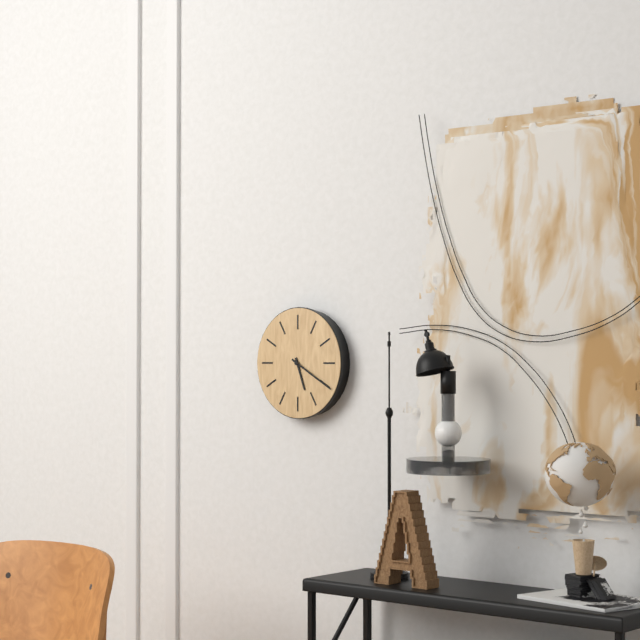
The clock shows **5:20**
